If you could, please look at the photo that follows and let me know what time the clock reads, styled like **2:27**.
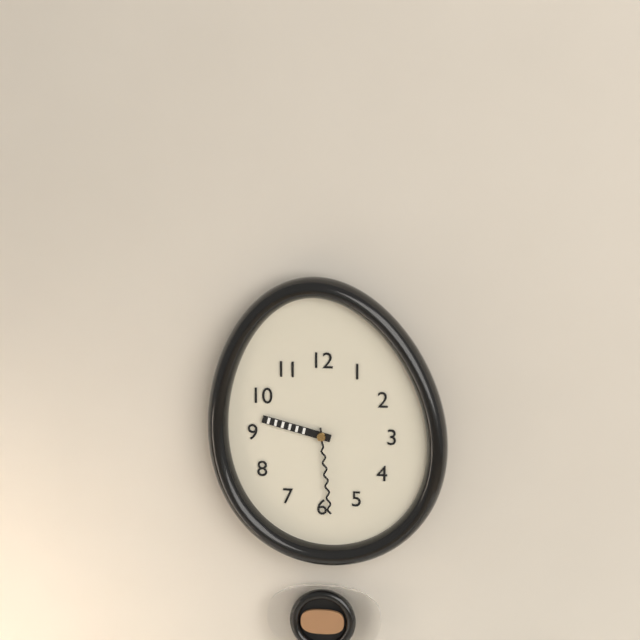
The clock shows **9:29**
